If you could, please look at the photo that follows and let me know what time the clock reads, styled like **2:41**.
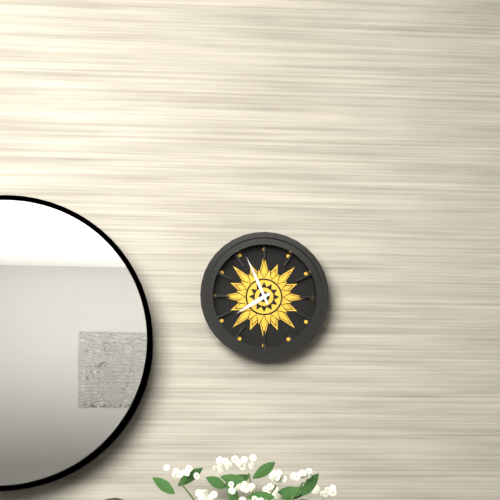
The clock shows **7:56**
